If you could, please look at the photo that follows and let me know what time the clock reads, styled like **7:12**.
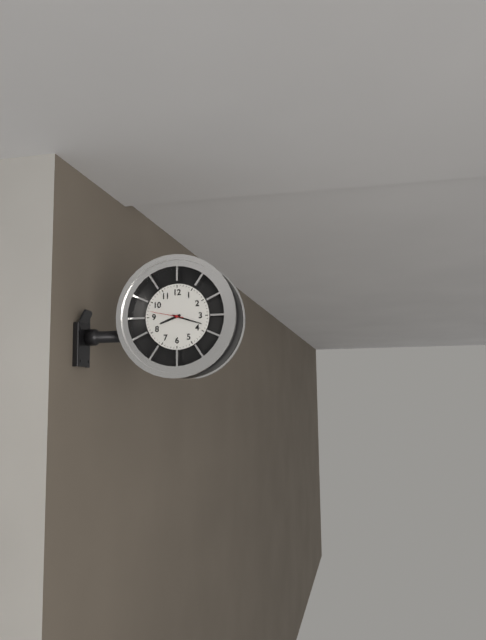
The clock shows **8:18**
